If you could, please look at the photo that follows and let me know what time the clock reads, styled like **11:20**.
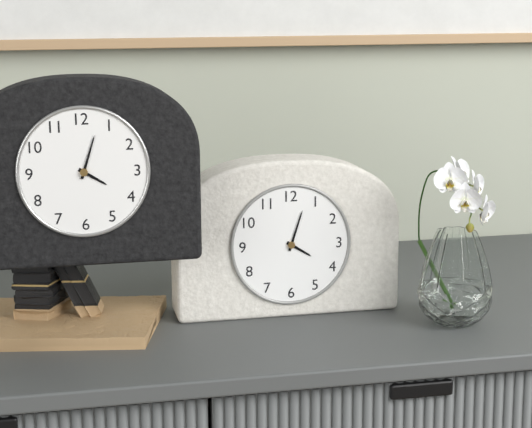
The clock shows **4:03**
